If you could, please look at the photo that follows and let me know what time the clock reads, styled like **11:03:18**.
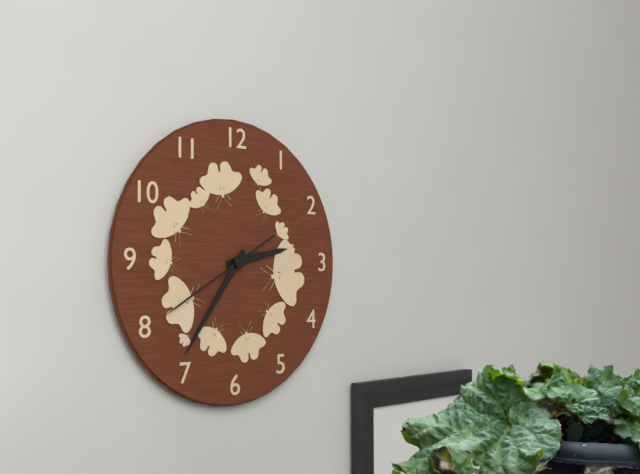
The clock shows **2:36:40**
